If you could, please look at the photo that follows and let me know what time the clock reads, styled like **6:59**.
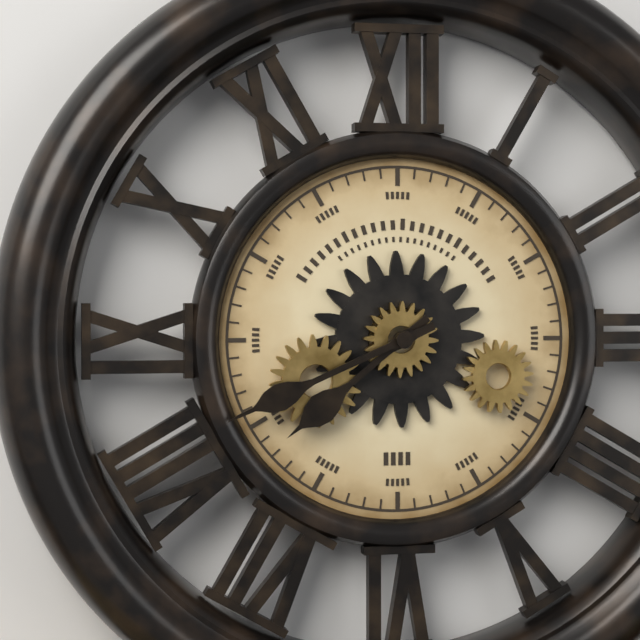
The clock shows **7:41**
